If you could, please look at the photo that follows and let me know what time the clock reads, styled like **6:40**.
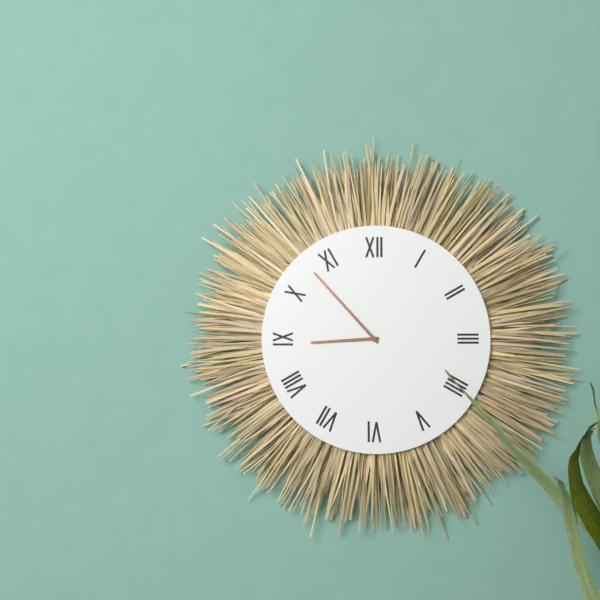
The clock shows **8:53**
